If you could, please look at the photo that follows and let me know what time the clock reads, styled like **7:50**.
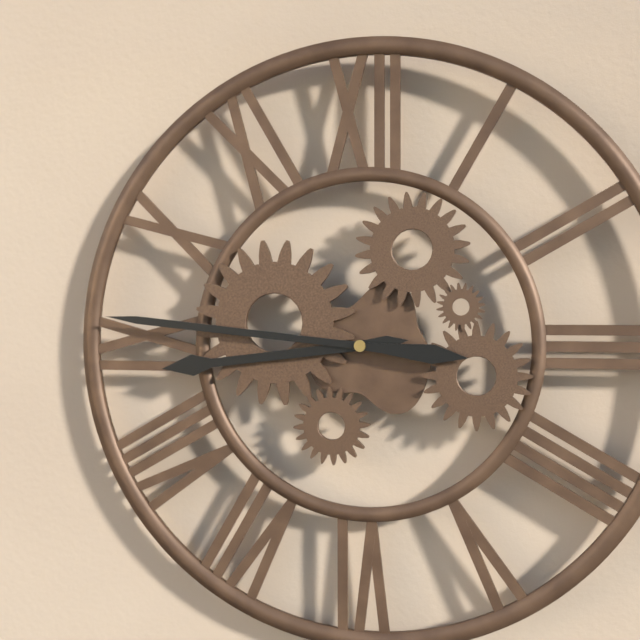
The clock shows **8:46**
